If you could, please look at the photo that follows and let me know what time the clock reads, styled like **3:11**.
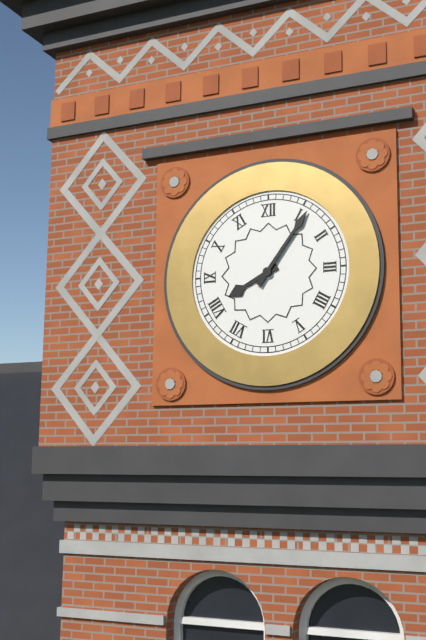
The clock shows **8:06**
